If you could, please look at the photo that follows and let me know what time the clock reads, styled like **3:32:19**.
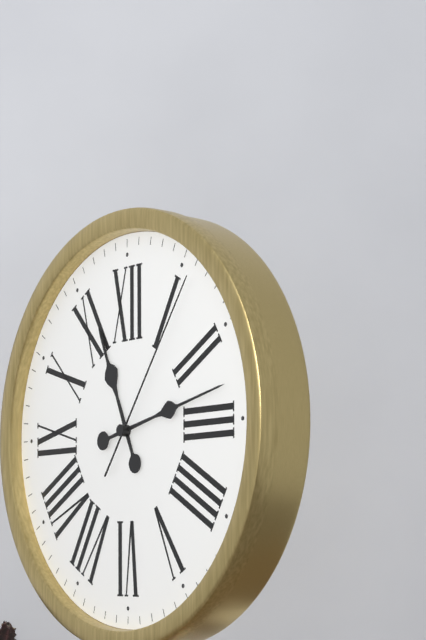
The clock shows **11:13:06**
